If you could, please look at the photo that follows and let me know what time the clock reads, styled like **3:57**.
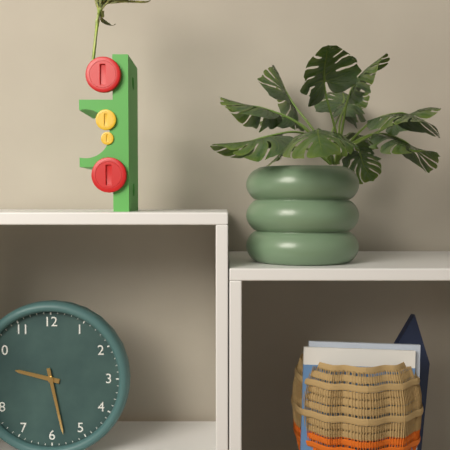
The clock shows **9:28**
